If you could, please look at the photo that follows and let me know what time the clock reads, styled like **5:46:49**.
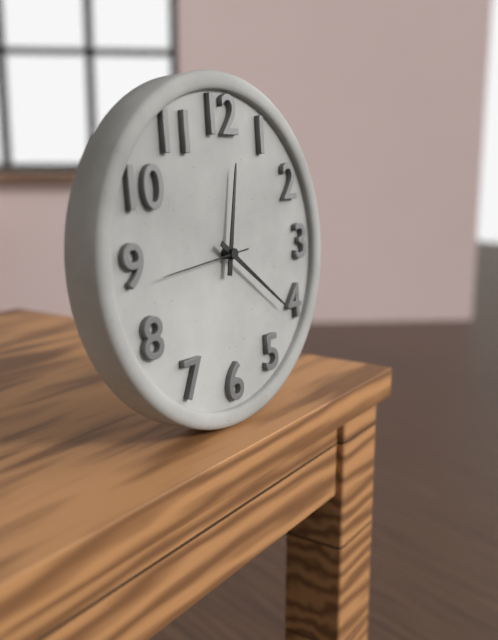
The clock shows **12:21:44**
